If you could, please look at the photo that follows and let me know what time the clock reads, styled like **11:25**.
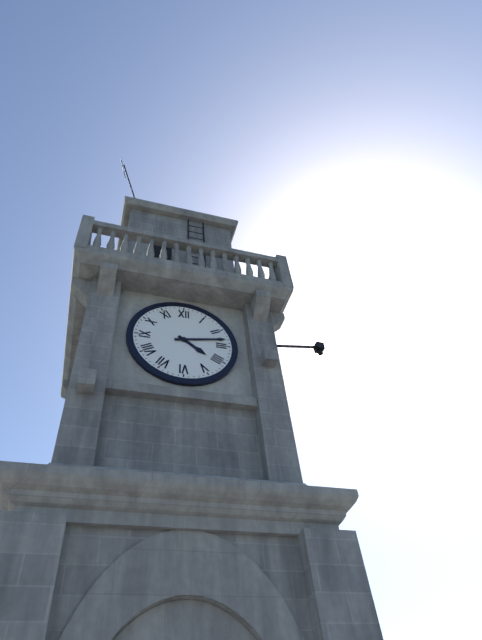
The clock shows **4:13**
